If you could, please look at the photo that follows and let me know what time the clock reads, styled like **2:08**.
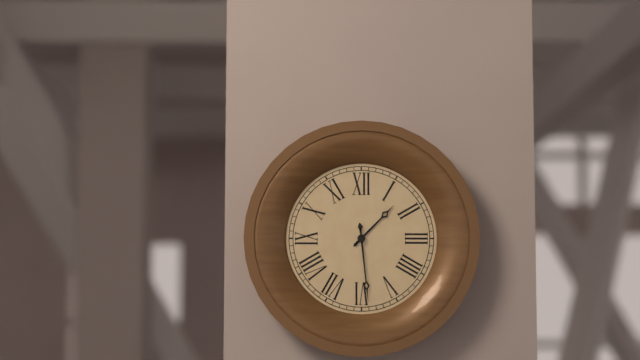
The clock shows **1:29**
